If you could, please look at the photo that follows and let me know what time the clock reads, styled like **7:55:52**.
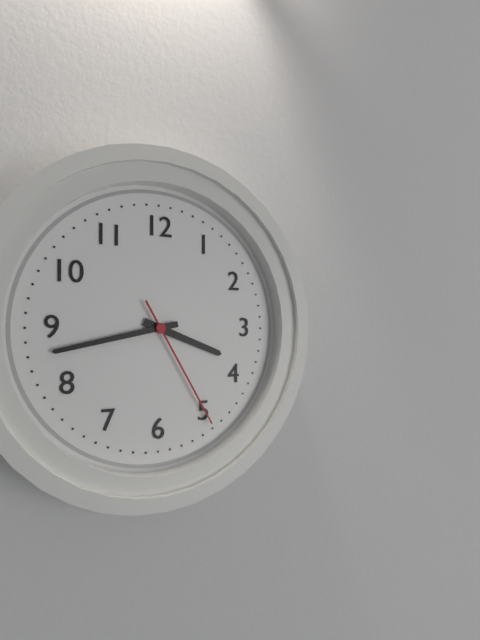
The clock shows **3:43:25**
